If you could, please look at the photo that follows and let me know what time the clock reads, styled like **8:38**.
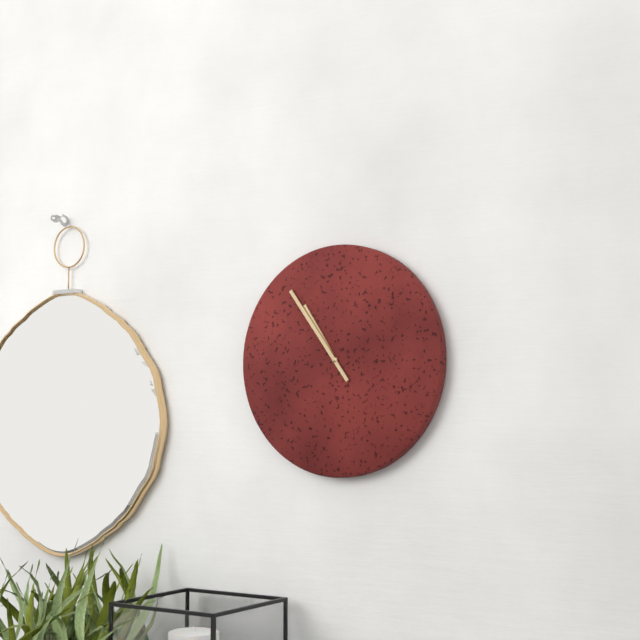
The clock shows **10:54**
